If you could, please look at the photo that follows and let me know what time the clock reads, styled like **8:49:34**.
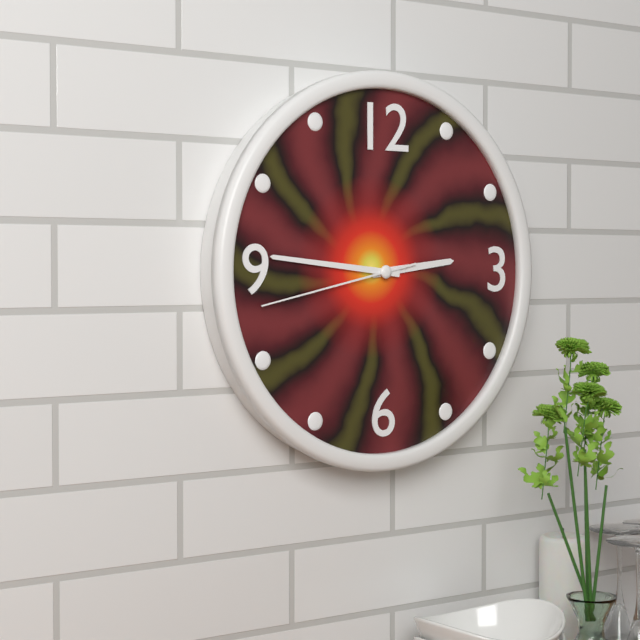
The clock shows **2:46:43**
